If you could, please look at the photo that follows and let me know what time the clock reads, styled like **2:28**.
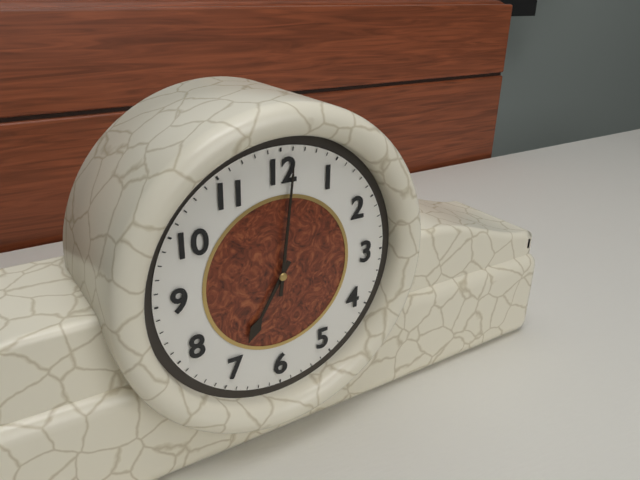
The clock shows **7:01**
